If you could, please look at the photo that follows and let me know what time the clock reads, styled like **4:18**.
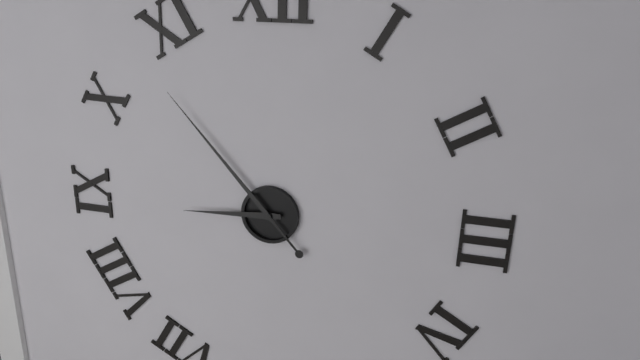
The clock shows **8:53**
